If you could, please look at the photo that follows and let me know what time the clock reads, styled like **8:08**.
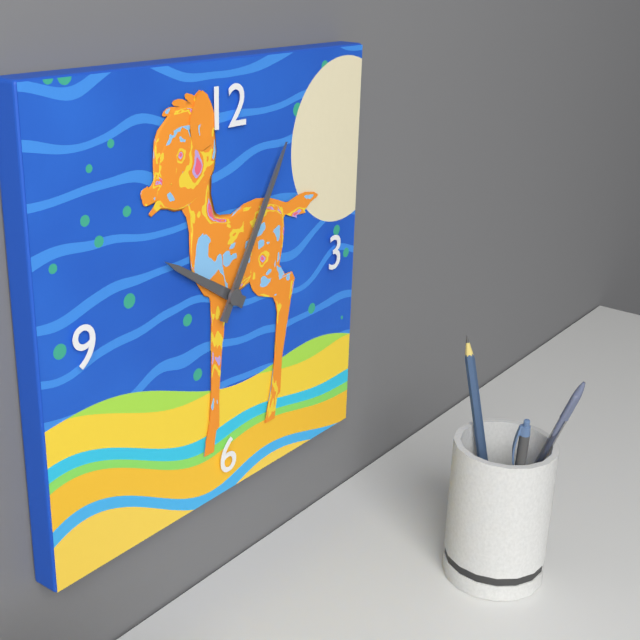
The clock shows **10:05**
